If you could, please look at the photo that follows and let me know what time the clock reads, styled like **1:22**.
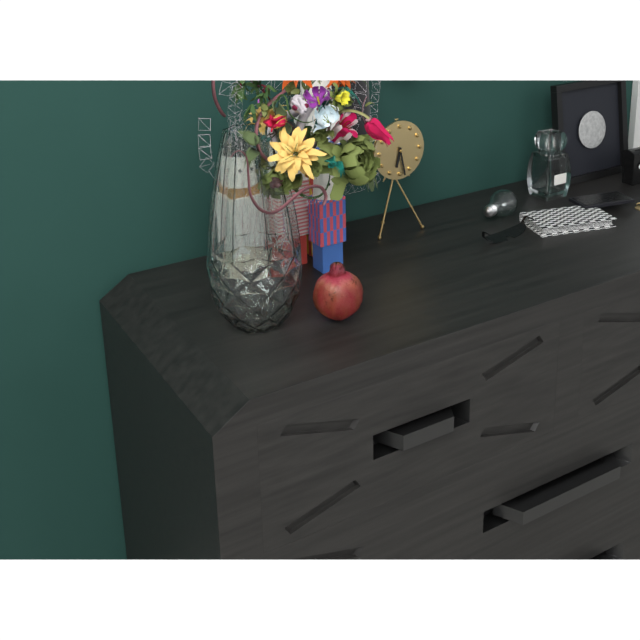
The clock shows **6:28**
